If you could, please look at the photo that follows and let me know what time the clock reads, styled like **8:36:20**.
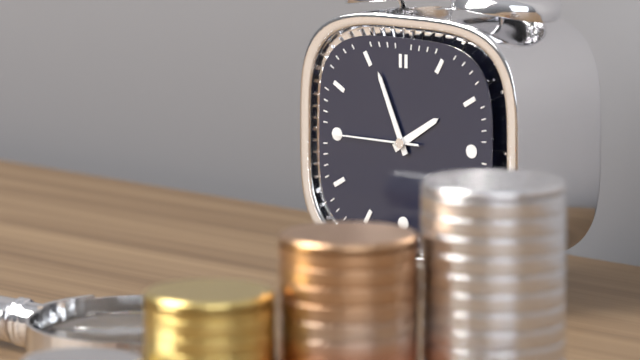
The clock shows **1:56:45**
